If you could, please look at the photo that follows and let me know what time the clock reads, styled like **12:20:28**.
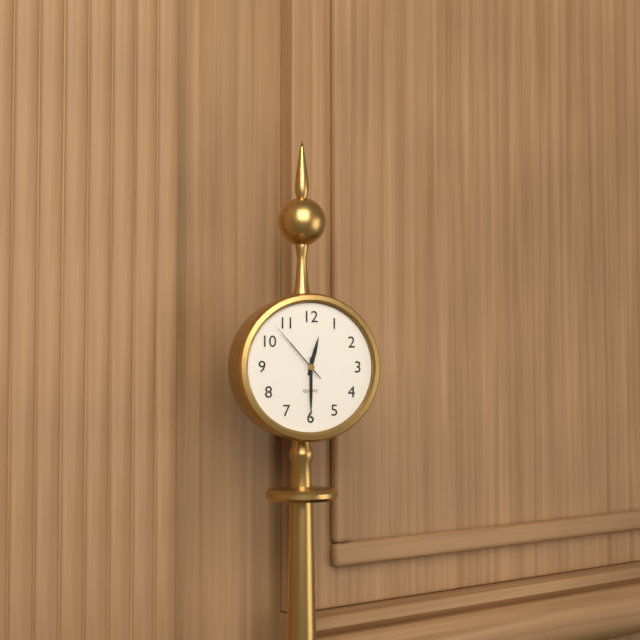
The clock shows **12:30:53**
